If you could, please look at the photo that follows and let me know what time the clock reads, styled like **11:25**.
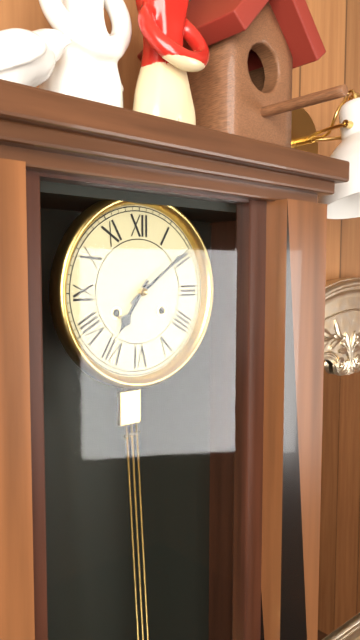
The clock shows **7:09**
